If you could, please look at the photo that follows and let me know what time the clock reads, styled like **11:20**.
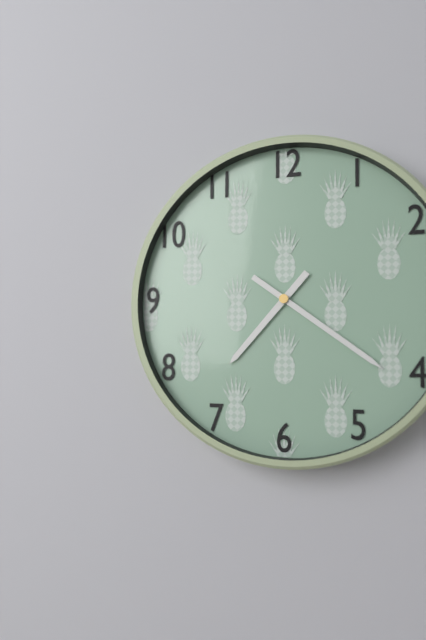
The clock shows **7:21**
